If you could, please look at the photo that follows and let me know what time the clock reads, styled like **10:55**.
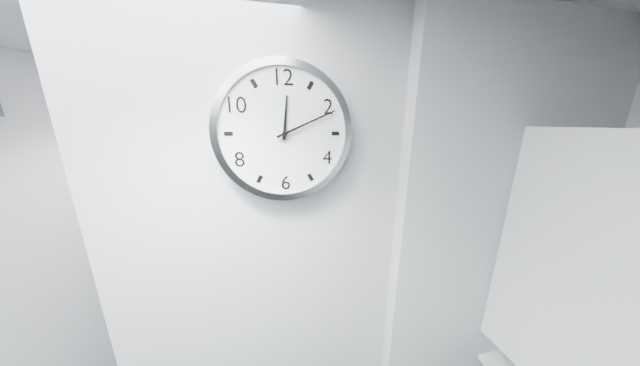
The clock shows **12:11**
